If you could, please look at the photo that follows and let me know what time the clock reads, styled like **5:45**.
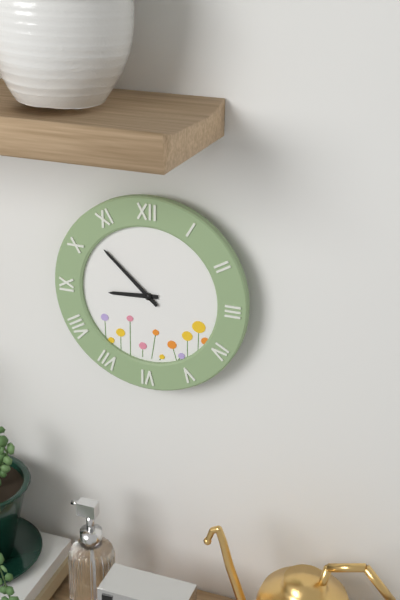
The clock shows **8:52**
